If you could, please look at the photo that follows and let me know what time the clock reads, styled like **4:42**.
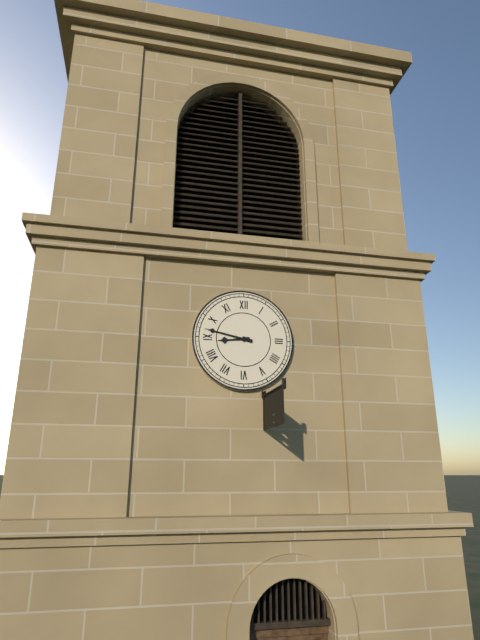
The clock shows **8:47**
